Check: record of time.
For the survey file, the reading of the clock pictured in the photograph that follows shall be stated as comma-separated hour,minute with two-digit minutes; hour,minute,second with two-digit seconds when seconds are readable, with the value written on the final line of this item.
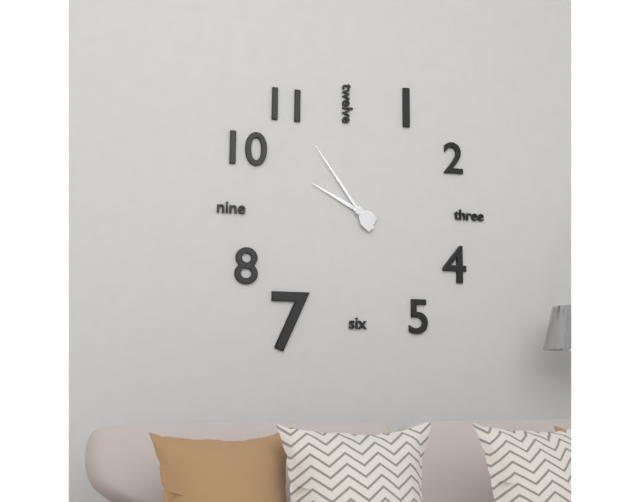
9,54
